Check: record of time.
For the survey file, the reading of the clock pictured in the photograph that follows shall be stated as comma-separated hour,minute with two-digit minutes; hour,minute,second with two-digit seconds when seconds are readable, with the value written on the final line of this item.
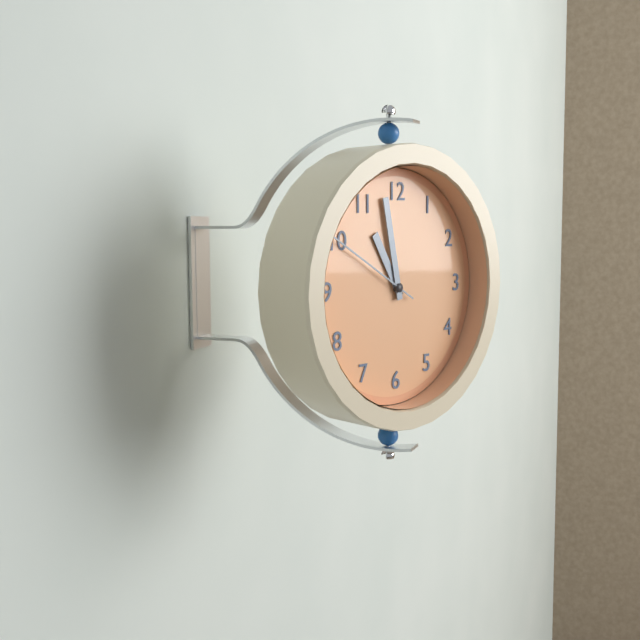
10,58,50
